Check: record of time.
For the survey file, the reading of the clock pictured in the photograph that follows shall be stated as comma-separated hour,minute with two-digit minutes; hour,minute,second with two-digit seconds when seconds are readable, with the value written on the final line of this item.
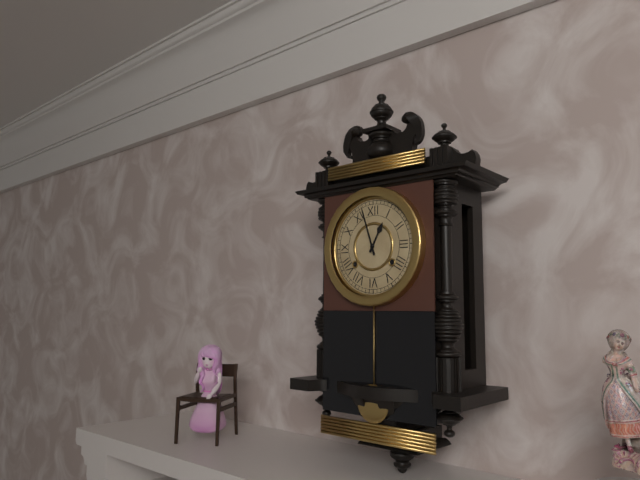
12,57
